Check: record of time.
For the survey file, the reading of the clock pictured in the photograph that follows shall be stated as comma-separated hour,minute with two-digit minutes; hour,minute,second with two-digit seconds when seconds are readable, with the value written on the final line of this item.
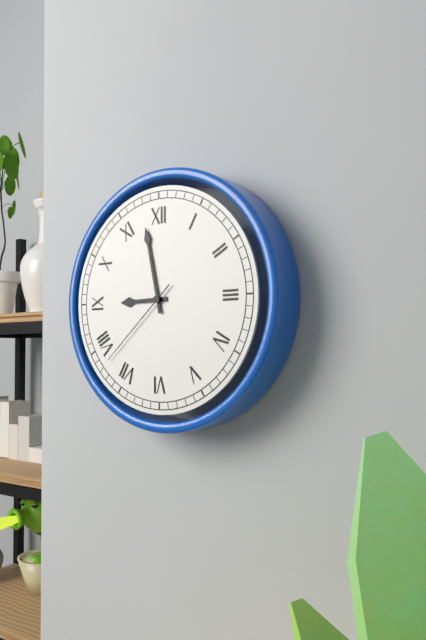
8,58,38
